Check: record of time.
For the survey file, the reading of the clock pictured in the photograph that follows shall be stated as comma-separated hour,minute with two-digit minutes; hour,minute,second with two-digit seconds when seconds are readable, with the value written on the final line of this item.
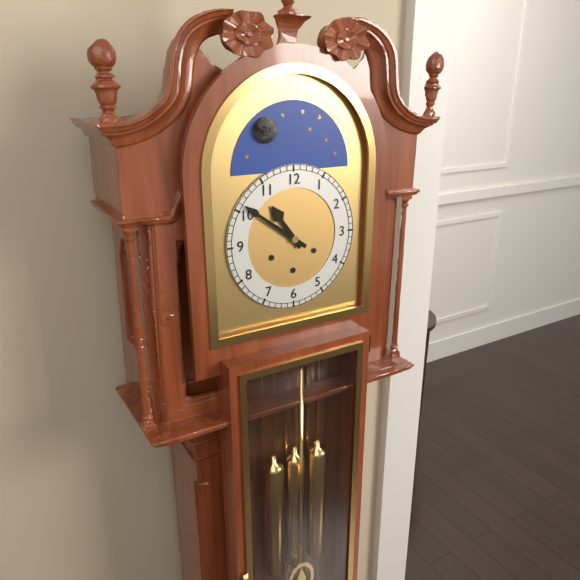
10,51
